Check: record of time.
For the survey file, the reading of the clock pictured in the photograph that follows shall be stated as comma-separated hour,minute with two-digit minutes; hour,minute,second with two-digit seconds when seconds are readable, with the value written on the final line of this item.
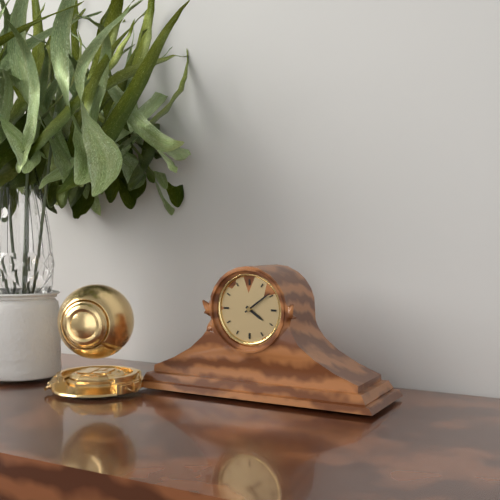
4,09
